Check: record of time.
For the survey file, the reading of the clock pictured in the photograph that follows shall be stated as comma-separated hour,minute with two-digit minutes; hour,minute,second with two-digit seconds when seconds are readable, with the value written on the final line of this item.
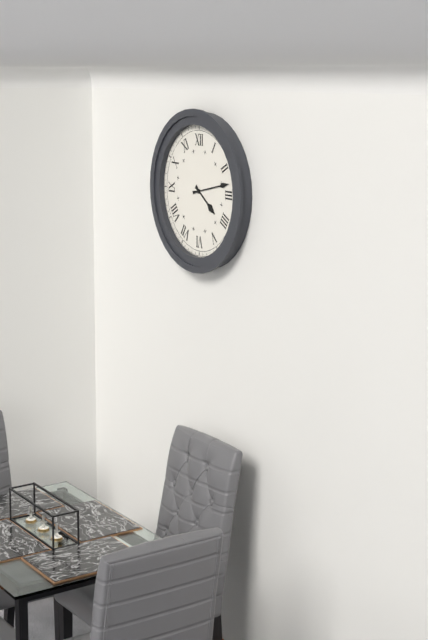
4,13
